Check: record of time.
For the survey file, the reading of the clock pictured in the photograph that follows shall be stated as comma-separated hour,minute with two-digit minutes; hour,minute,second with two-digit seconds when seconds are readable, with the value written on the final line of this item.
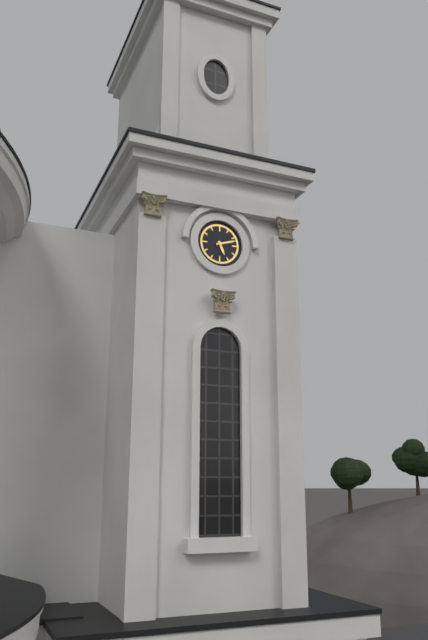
5,12
